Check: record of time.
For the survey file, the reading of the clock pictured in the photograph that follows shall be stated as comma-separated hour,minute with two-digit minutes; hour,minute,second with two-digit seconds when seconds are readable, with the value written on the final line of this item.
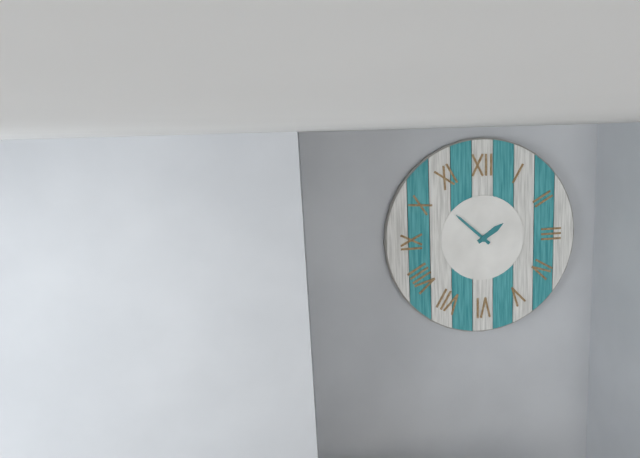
1,52
